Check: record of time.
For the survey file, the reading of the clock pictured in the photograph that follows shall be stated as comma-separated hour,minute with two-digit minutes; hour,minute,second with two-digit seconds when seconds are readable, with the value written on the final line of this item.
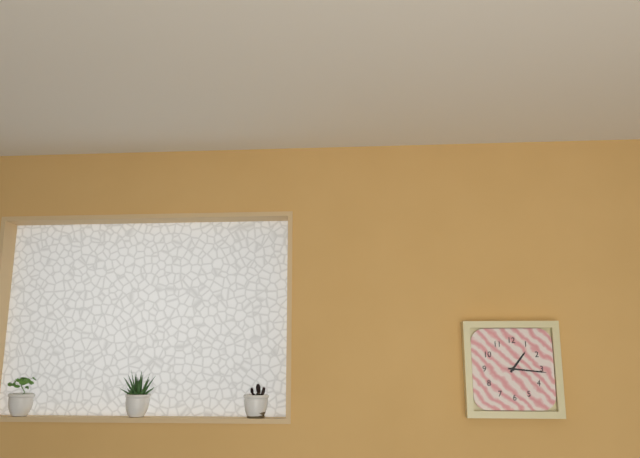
1,16
